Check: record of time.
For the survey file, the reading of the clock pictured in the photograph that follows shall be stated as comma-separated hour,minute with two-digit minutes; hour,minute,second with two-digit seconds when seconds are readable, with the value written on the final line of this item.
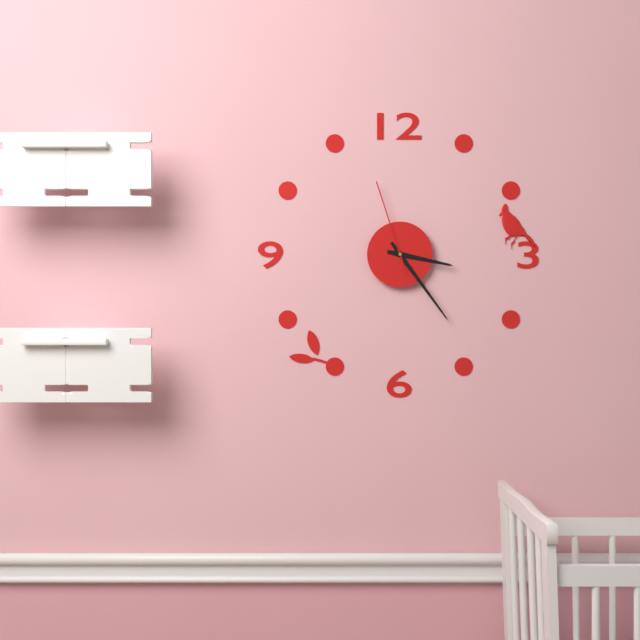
3,24,57
